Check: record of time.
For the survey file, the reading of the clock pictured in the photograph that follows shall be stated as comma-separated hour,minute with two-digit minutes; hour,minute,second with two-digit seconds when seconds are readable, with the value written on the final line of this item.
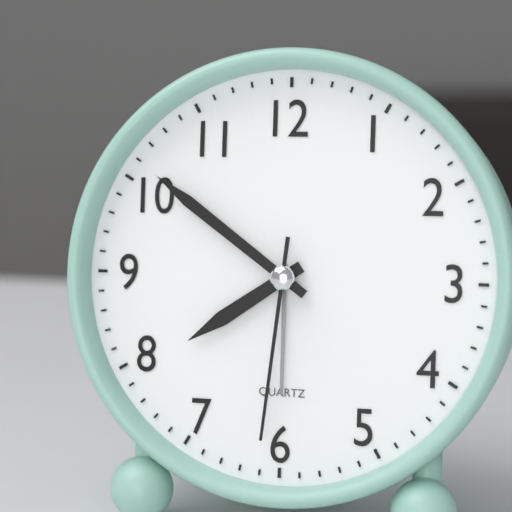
7,51,31
